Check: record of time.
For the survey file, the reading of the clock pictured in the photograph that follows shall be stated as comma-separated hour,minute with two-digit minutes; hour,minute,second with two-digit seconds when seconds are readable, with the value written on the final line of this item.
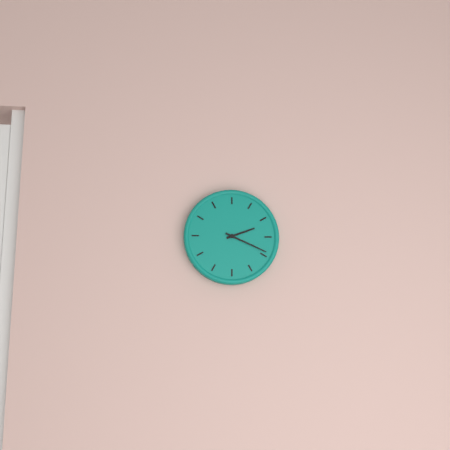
2,19
